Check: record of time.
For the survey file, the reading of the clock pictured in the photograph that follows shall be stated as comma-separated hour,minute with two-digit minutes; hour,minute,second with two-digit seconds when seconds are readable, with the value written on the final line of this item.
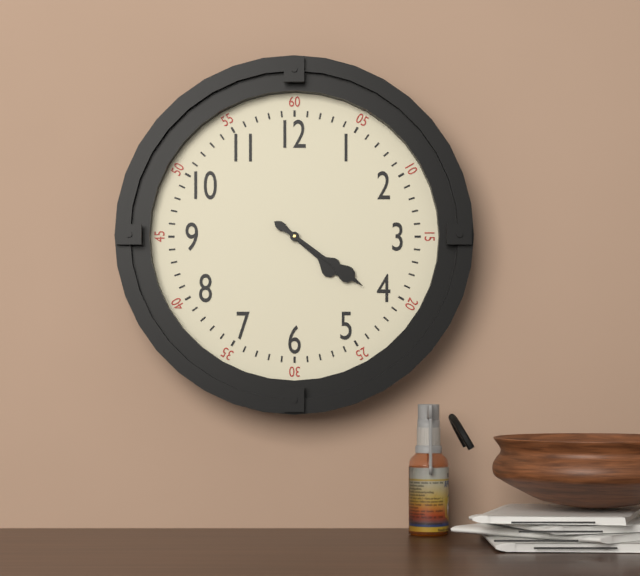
4,21
